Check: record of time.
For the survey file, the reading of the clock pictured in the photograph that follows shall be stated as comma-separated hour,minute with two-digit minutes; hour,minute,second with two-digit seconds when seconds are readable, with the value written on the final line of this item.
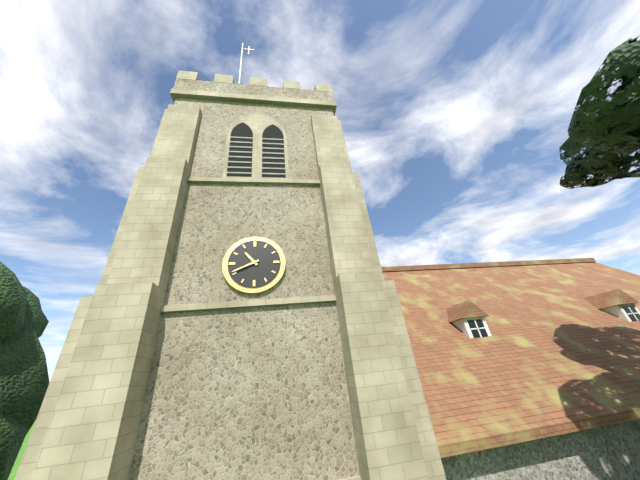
10,41
